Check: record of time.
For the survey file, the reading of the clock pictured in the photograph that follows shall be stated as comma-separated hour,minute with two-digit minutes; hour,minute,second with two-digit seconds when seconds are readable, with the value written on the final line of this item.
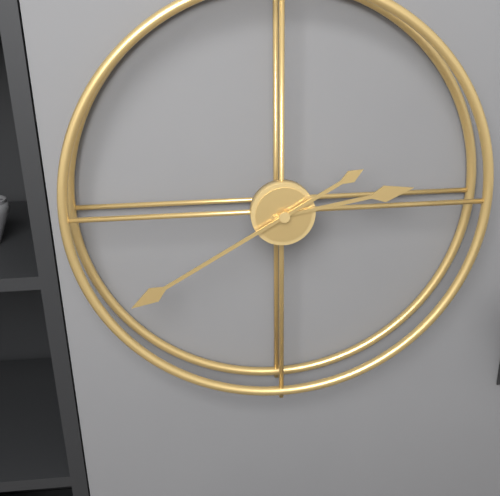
2,40
